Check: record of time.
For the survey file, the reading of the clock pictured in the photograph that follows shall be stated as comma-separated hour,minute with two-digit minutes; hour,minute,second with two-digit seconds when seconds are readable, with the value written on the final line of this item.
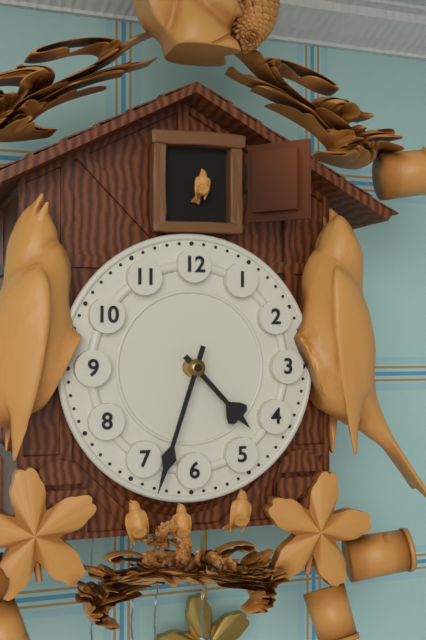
4,33
